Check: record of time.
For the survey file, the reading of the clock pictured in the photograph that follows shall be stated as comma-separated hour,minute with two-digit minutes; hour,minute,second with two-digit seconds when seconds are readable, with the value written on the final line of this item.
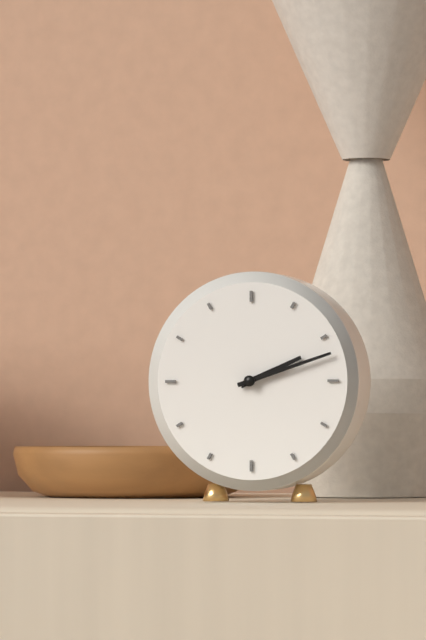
2,12
